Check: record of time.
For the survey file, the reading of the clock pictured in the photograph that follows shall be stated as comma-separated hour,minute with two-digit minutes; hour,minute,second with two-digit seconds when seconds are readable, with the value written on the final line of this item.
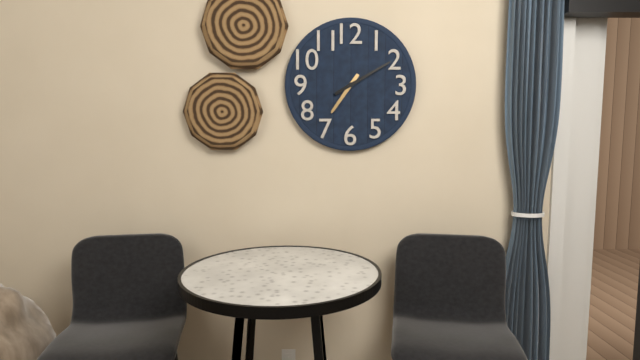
7,10
